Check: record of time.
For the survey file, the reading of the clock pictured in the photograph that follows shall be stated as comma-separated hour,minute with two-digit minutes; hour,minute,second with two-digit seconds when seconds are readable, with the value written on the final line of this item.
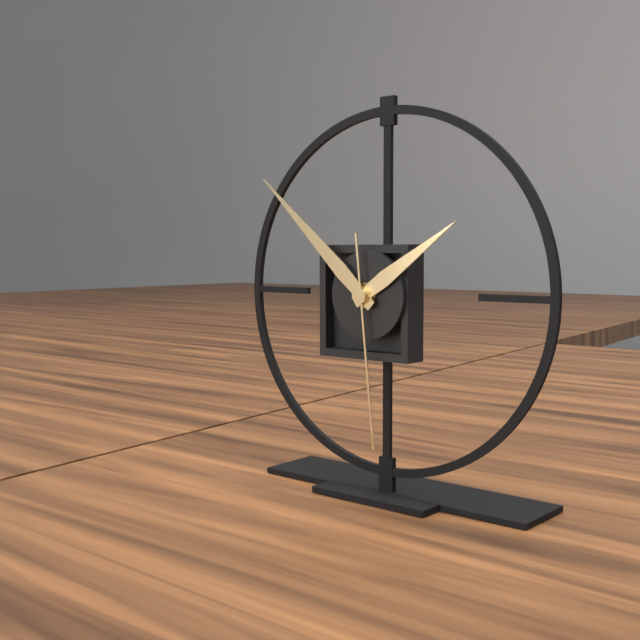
1,52,29
